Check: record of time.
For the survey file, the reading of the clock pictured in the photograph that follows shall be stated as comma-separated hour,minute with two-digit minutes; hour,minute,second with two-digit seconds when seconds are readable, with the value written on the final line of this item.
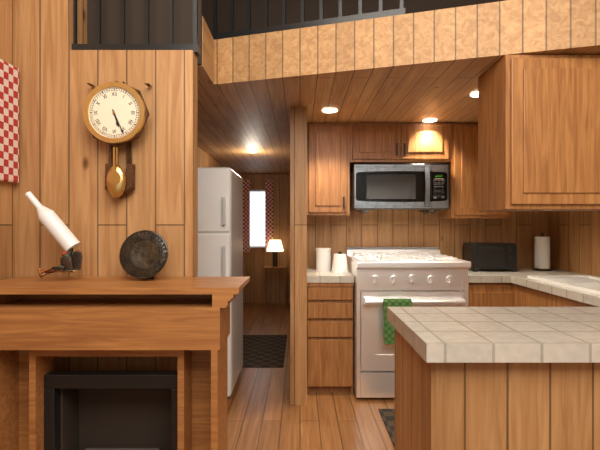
5,26
